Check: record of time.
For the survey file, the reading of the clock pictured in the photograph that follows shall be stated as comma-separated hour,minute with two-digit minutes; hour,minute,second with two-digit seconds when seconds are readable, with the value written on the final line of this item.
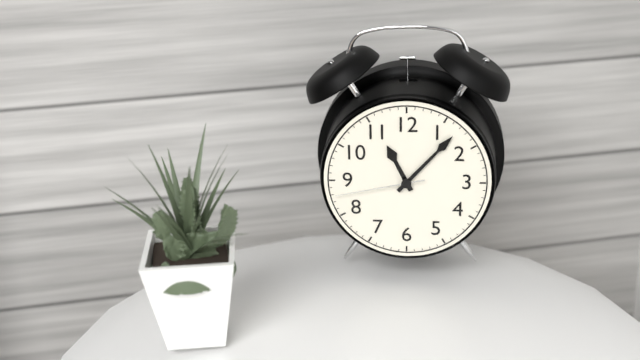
11,07,43
